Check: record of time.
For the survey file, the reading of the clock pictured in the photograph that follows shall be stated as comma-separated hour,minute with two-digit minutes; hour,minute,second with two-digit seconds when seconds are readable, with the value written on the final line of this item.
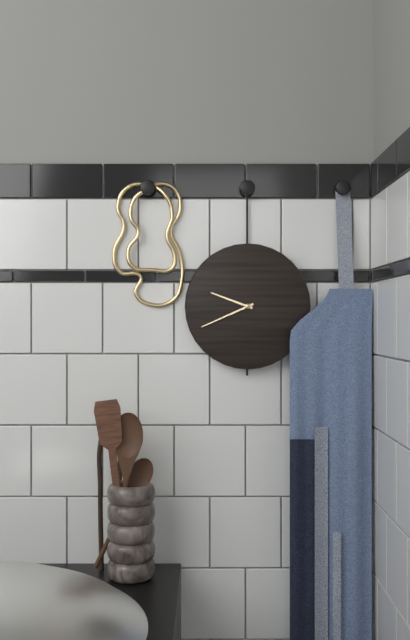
9,41
